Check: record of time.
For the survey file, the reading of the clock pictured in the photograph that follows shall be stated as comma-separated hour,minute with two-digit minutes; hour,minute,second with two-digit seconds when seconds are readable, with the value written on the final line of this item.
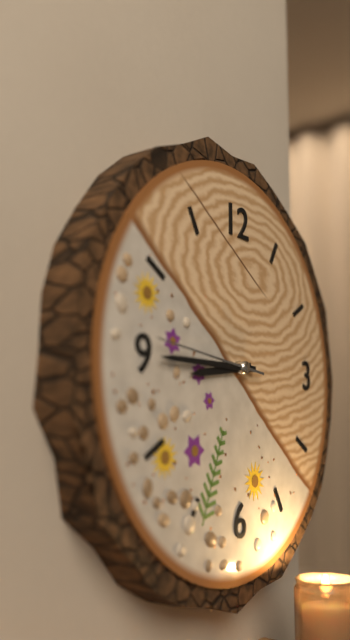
8,45,46
